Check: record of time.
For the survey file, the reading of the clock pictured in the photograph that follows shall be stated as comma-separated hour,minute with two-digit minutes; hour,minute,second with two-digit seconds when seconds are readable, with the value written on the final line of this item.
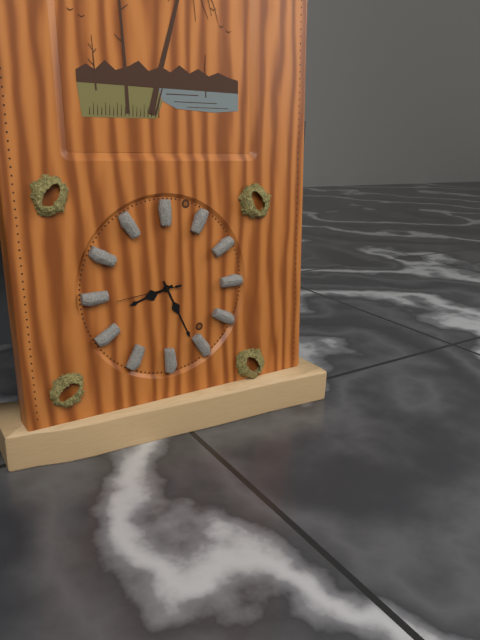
8,26,44
